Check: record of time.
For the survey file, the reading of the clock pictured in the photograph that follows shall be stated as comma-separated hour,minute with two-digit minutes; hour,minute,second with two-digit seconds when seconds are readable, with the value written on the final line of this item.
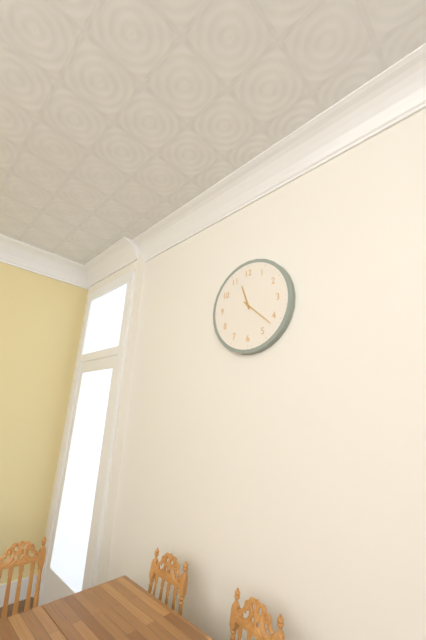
11,22
